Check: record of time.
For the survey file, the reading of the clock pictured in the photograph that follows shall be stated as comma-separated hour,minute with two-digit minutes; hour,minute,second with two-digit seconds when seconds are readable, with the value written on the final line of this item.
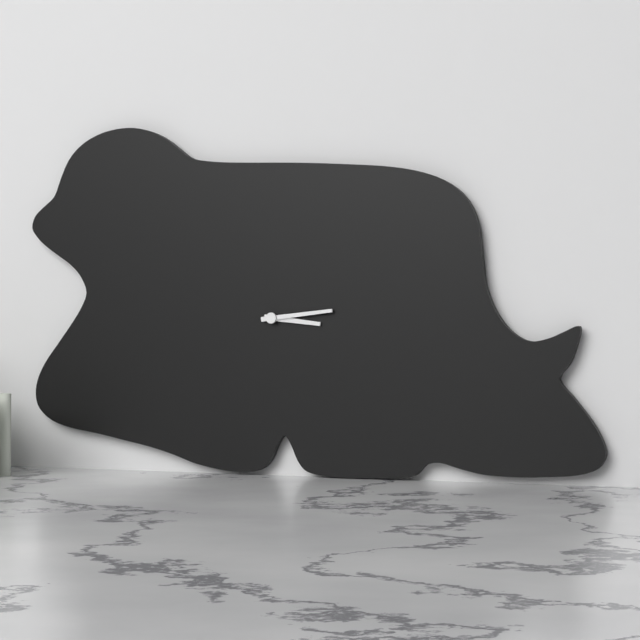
3,14
